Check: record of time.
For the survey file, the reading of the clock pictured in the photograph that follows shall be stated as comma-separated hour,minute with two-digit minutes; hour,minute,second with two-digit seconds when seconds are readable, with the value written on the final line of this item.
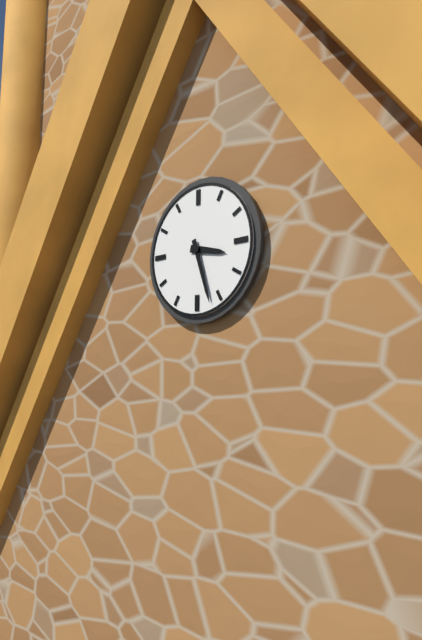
3,27
